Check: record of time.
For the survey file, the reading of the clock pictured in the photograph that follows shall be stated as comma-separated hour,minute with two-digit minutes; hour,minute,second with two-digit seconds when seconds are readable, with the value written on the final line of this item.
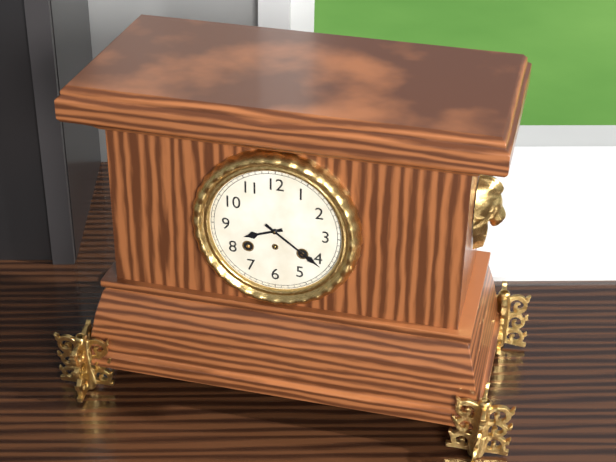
8,21
